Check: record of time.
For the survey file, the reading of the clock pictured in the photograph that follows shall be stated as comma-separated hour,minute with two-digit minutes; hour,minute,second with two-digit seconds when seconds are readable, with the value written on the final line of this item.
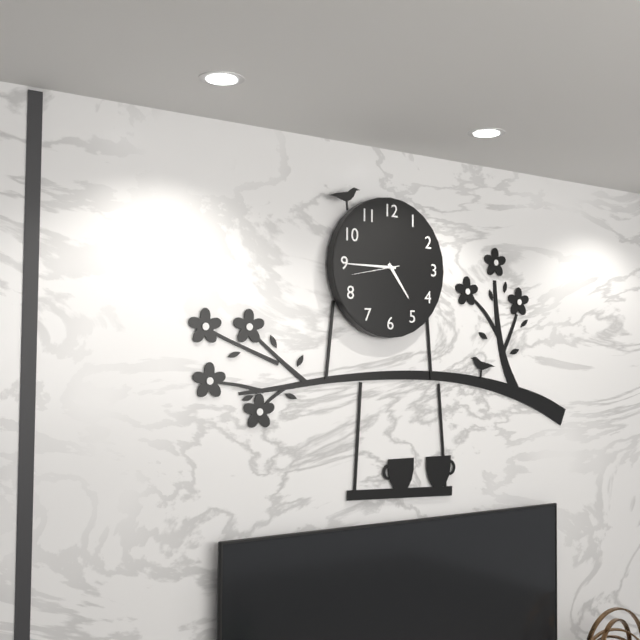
4,45,43
